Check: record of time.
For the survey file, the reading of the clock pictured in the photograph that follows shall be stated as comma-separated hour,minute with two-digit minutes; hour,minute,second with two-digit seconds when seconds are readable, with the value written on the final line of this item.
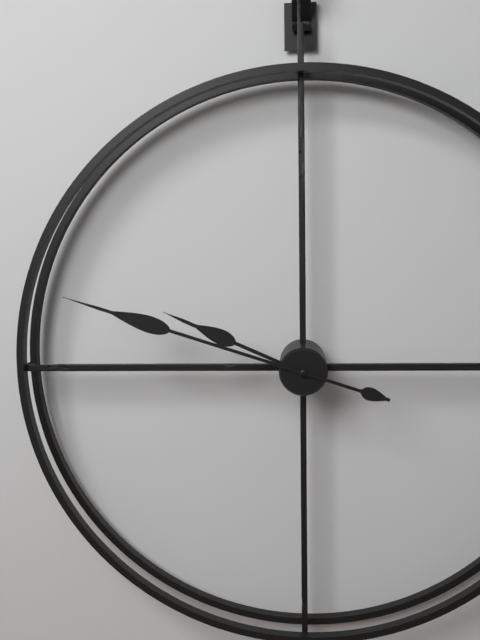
9,48
